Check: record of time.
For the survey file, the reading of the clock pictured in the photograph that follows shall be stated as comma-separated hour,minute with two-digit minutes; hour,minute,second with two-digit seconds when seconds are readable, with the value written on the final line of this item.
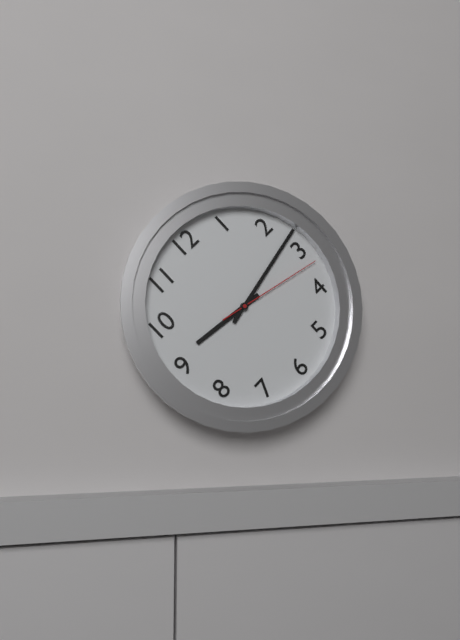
9,13,17
